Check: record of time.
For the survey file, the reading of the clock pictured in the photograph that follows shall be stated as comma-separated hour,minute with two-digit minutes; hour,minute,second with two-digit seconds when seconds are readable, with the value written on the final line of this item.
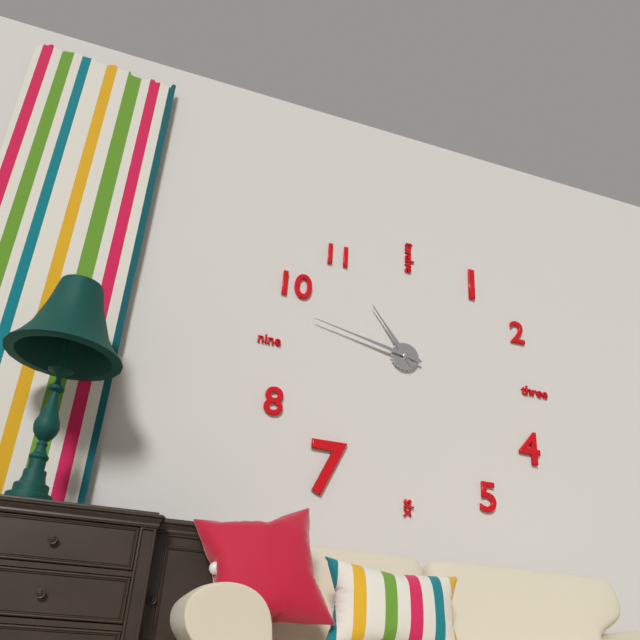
10,47
